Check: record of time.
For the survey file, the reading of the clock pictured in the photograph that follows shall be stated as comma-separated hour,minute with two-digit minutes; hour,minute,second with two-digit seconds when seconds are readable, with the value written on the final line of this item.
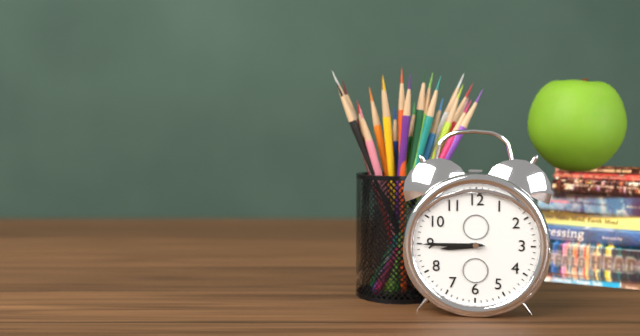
8,45
